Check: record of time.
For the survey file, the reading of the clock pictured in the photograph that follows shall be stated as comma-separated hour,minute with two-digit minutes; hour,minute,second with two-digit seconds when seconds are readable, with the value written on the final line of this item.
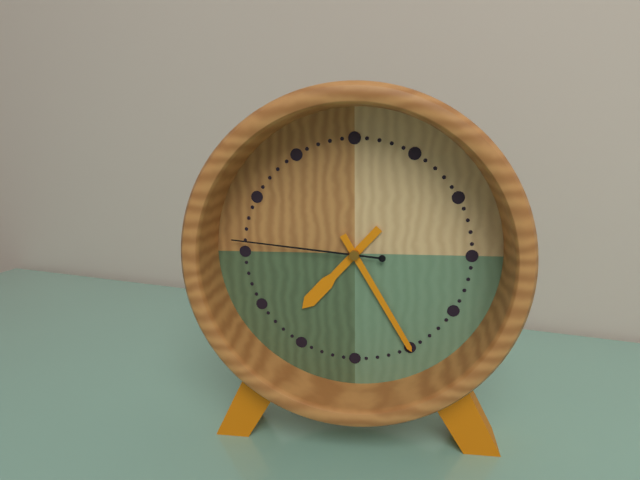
7,25,46
